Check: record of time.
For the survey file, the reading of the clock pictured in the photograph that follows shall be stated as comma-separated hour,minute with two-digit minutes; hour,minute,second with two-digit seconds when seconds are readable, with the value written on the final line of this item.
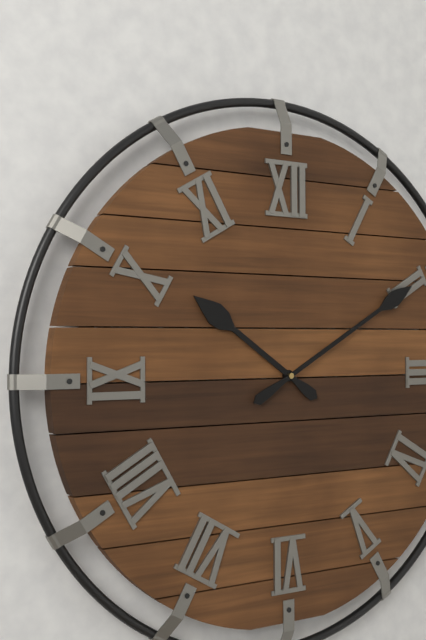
10,10
